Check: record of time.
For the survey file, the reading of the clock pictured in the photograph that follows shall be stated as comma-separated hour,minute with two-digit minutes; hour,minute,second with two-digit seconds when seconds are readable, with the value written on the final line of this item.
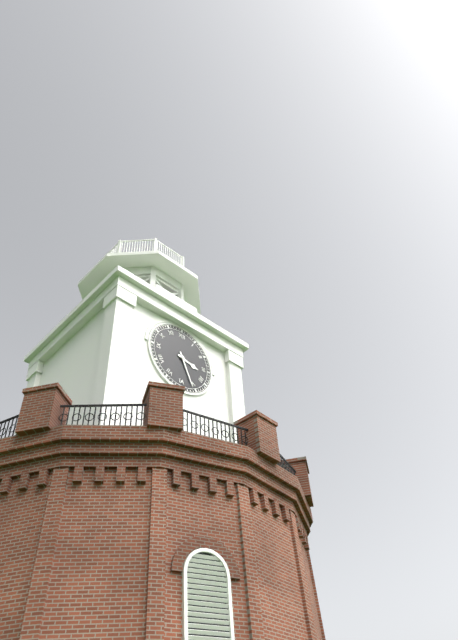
3,26
